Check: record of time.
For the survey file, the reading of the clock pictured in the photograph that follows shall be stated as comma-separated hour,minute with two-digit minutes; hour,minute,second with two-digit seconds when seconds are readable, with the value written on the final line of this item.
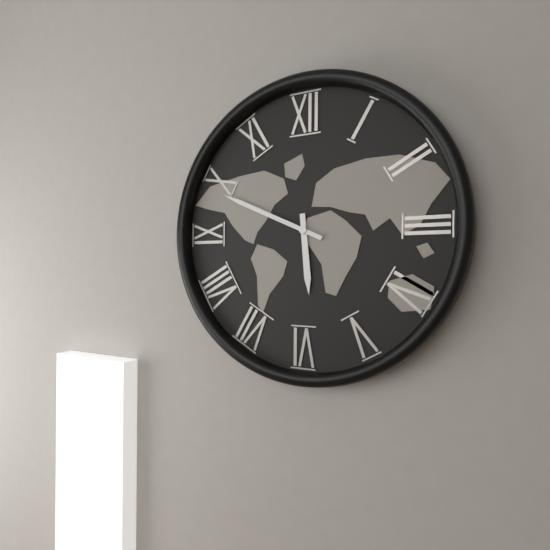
5,49
